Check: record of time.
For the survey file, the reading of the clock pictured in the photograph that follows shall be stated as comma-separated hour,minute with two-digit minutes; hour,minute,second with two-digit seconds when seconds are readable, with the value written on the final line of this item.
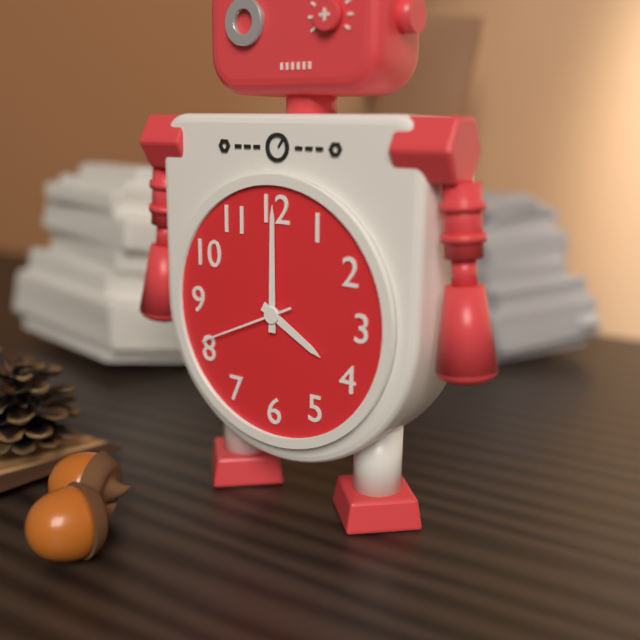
4,00,41
